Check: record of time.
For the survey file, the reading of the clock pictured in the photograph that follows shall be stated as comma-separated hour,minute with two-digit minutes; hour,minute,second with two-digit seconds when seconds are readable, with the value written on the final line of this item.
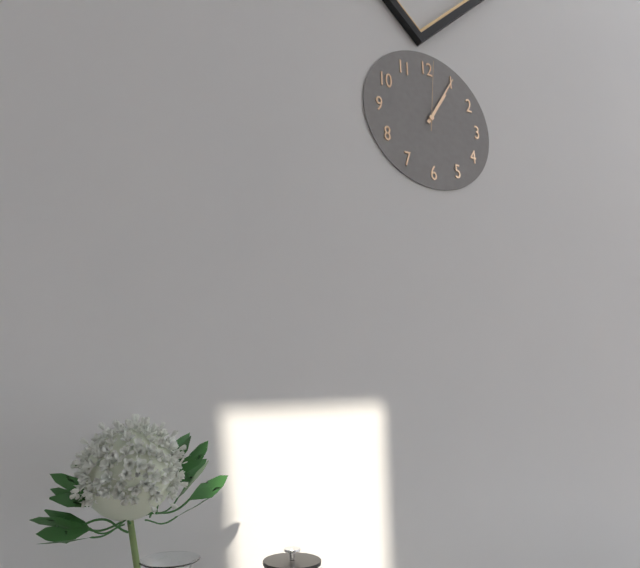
1,05,01
